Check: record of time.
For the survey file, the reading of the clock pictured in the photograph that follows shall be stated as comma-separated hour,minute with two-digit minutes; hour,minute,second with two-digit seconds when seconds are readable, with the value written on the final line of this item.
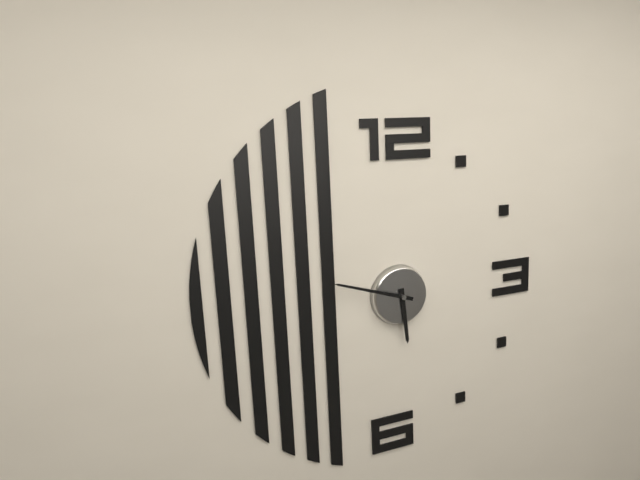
5,48
